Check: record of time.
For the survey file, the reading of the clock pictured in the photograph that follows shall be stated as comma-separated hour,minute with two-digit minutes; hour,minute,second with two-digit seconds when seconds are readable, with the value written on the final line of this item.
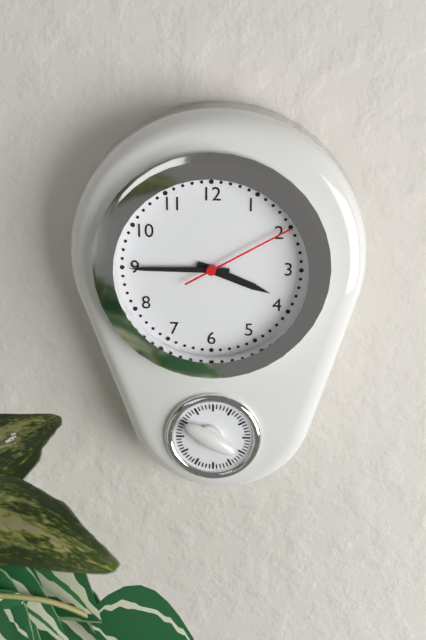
3,45,10
